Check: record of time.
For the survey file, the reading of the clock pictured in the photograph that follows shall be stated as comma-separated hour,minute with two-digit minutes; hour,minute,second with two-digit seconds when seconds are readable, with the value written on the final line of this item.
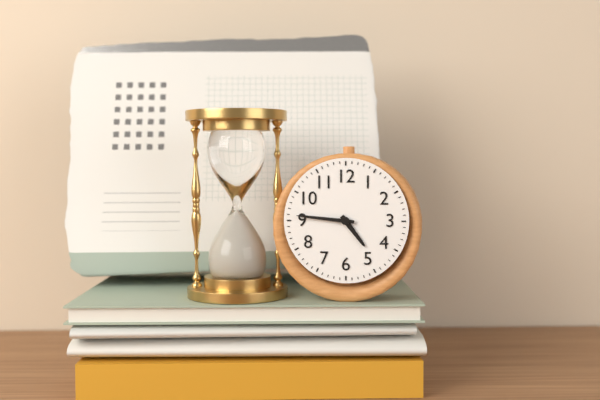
4,46
